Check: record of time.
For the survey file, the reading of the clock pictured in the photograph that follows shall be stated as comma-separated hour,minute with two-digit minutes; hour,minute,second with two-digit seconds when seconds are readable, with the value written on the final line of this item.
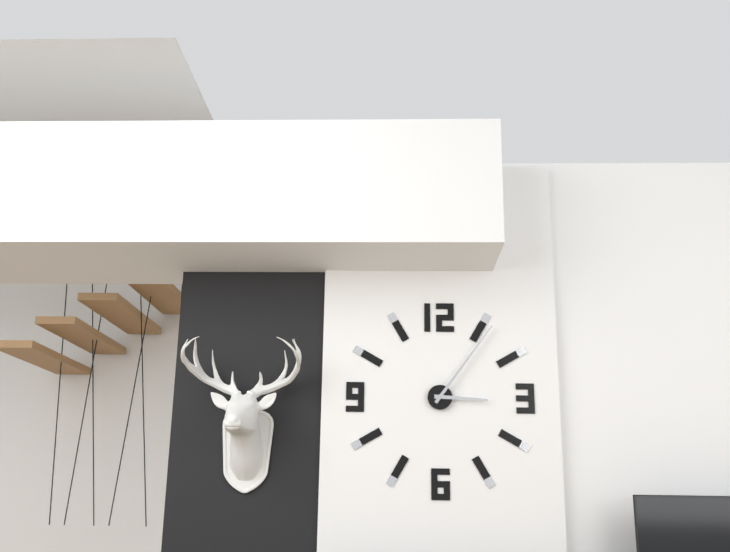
3,06
